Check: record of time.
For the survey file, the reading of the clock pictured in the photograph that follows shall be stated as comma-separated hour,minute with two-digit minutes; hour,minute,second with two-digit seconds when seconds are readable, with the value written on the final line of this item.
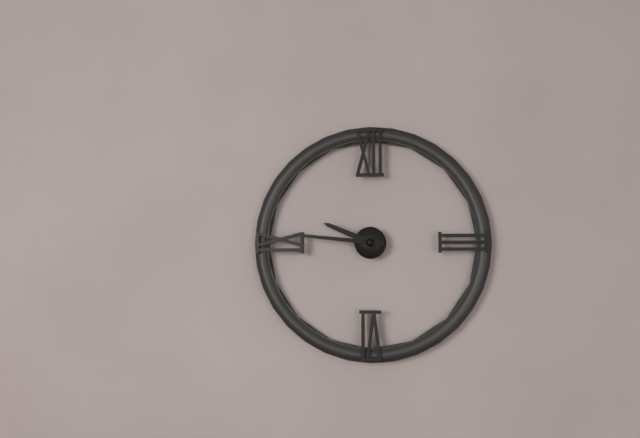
9,46
